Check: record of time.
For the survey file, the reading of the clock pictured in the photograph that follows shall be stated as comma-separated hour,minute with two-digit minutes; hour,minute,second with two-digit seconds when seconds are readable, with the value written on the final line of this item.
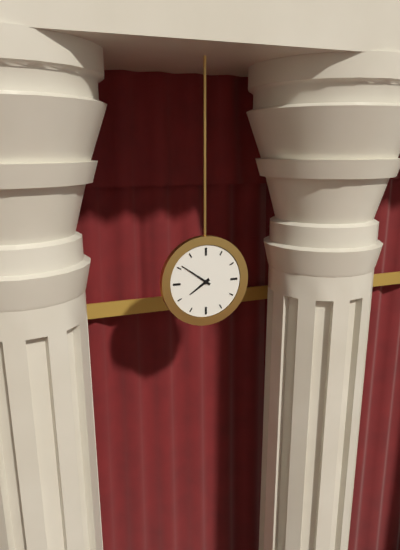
7,51
